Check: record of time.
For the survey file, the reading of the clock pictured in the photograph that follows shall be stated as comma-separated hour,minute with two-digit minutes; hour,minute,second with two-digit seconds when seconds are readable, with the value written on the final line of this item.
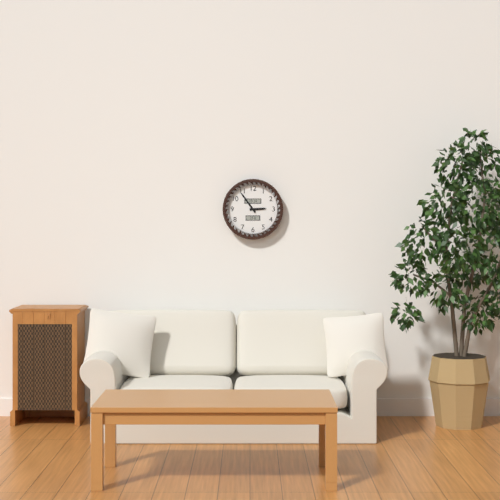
2,54
